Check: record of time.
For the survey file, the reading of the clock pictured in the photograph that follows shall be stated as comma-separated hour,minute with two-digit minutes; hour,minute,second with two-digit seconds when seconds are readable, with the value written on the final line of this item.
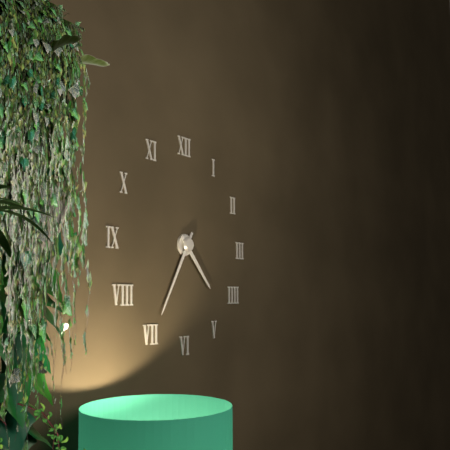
4,35
